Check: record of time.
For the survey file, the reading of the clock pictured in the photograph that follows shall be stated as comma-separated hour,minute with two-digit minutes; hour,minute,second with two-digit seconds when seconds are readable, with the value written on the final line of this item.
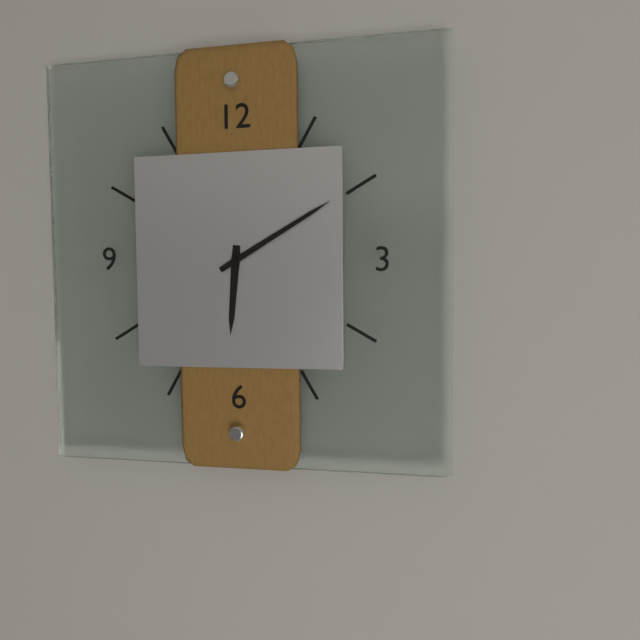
6,10
